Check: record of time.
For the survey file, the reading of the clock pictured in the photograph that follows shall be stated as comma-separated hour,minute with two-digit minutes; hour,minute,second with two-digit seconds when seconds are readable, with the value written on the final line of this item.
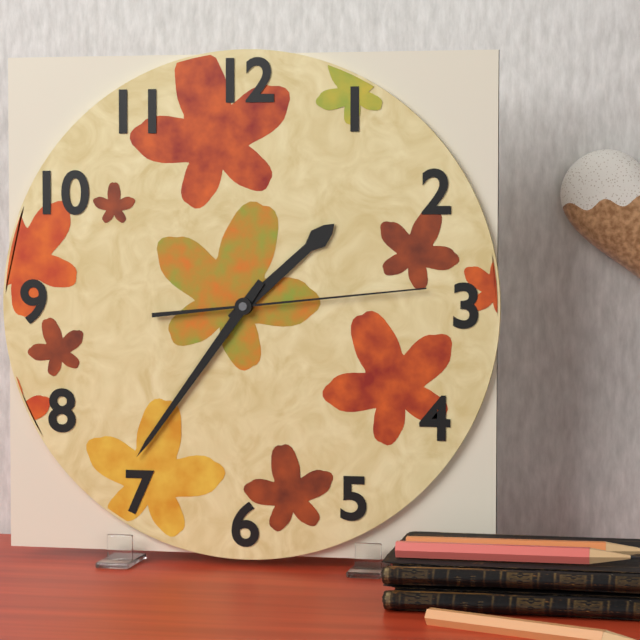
1,36,14
